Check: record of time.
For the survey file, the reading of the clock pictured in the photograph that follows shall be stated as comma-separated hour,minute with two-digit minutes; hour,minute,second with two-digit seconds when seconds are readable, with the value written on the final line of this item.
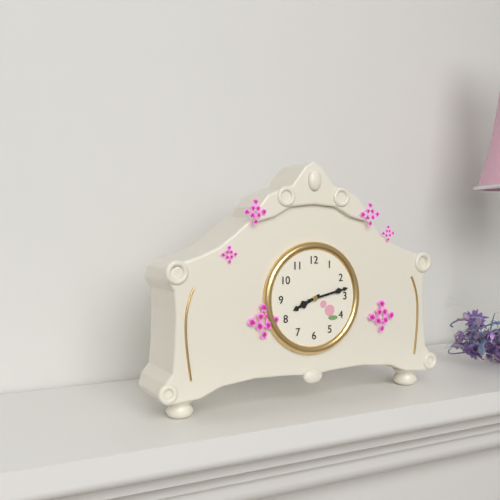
8,13
